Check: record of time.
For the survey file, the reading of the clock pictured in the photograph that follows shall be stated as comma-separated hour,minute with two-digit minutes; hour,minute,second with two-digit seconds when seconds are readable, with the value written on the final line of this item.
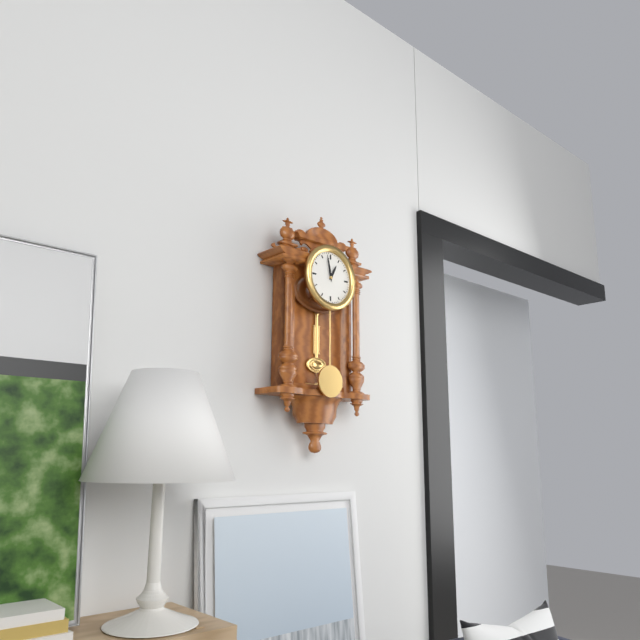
12,58
